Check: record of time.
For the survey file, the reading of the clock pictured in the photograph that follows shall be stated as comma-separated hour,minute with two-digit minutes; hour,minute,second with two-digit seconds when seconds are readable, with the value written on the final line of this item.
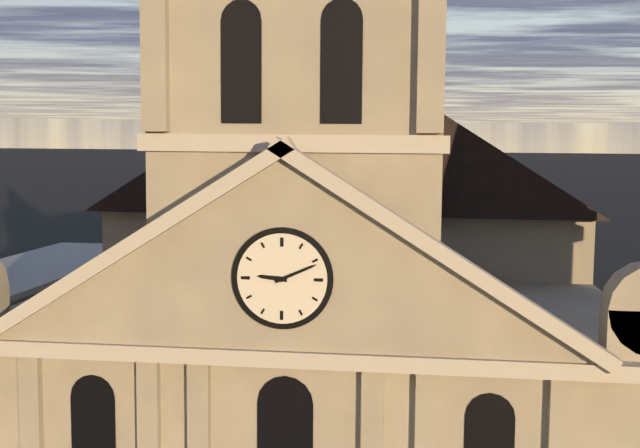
9,11
